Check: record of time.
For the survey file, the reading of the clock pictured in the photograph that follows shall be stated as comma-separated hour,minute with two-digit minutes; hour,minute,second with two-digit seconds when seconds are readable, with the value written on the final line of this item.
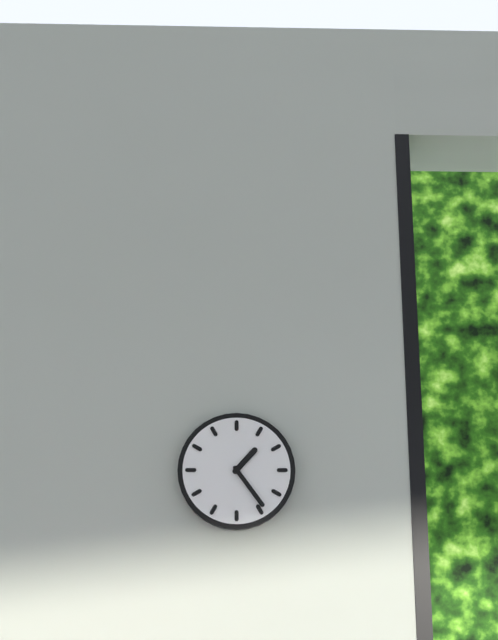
1,24
